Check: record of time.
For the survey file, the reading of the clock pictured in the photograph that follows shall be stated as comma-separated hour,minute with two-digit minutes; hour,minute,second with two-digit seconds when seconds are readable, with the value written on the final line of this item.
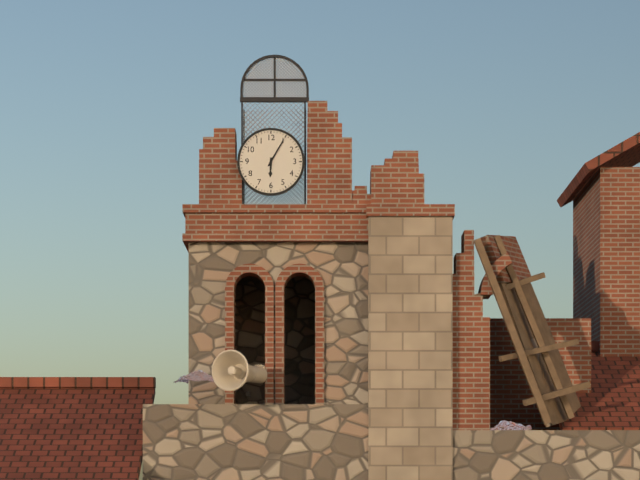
6,05
